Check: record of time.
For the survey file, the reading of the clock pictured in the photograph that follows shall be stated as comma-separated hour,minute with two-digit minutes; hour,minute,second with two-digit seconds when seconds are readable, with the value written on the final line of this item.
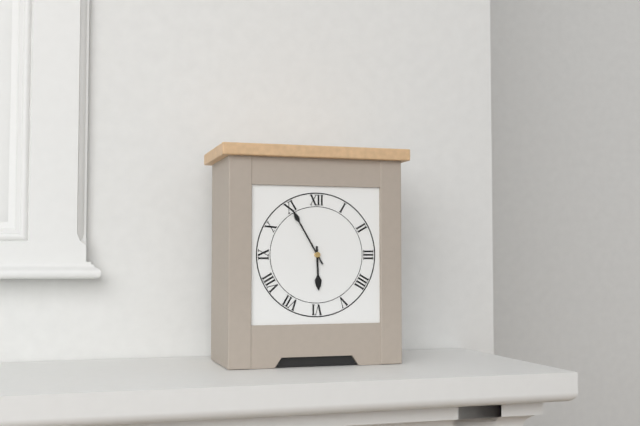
5,55
